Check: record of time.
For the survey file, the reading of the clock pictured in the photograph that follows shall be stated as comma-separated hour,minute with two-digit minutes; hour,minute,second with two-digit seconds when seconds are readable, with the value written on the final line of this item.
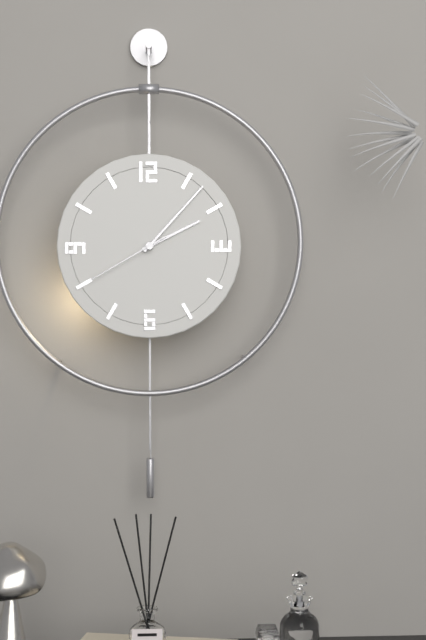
2,07,40
